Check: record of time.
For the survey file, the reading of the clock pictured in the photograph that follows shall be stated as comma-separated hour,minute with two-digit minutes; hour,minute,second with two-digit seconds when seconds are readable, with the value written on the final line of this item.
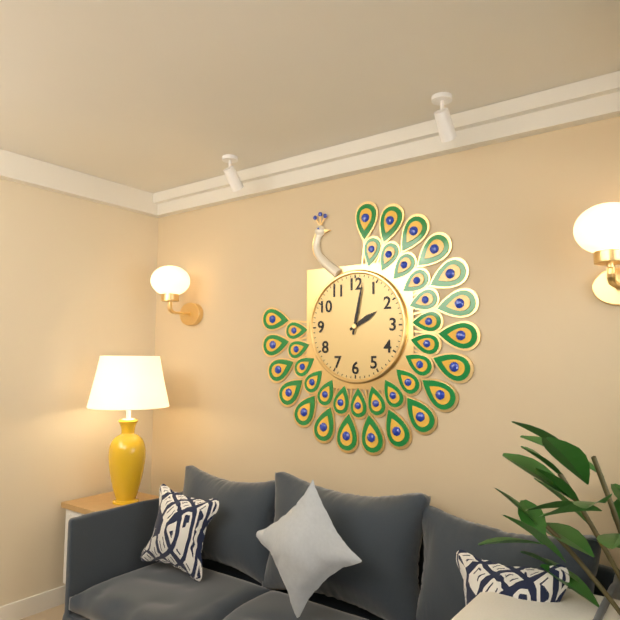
2,02
